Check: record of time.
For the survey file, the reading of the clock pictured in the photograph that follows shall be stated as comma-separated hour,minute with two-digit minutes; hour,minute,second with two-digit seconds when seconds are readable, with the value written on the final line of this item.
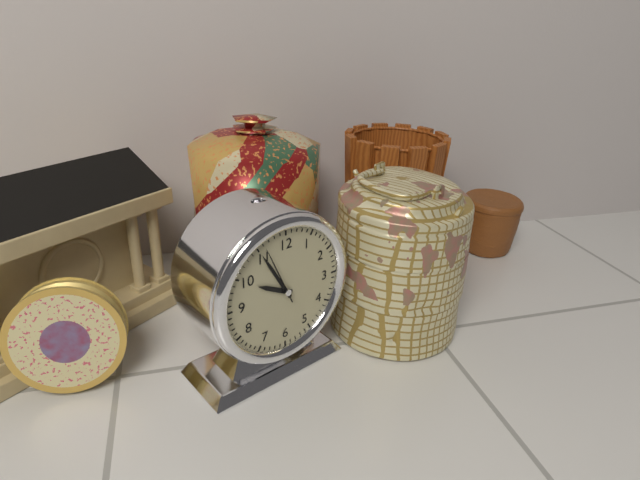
9,55,56
